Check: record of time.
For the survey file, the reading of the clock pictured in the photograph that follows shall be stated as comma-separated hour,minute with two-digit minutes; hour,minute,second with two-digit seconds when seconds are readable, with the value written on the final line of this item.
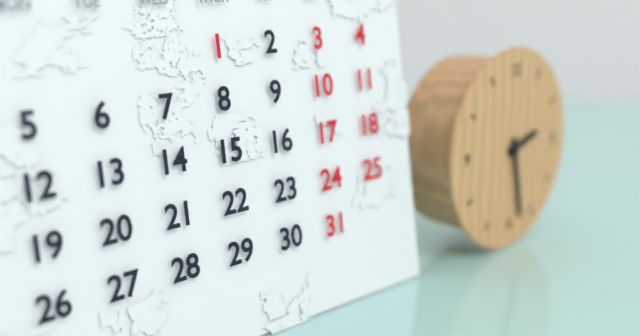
2,28
